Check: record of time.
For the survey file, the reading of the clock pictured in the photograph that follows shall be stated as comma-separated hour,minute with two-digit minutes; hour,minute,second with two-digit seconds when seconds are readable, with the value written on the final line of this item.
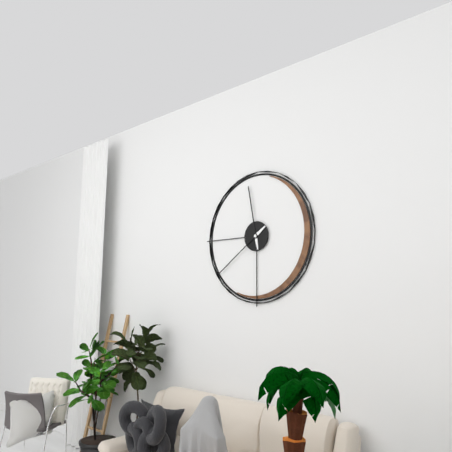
11,39
